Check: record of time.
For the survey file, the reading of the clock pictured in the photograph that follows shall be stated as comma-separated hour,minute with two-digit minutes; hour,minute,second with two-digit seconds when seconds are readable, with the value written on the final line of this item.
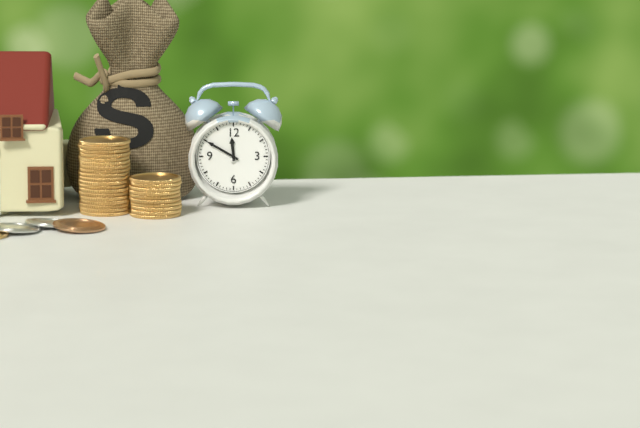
11,50
